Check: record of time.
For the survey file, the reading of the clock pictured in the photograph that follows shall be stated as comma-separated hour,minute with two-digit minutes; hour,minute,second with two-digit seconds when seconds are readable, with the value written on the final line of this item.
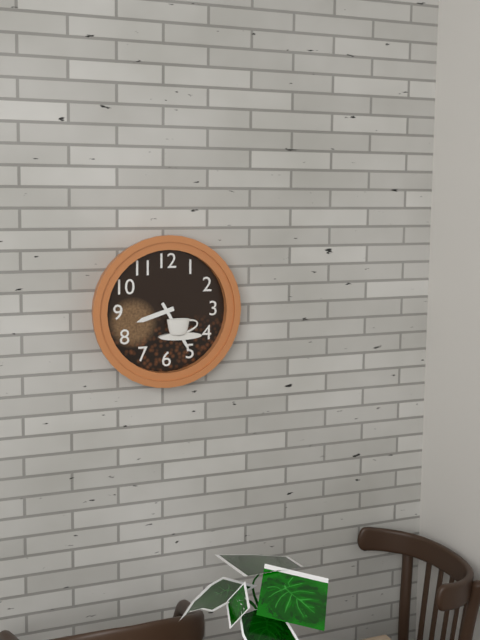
8,25
